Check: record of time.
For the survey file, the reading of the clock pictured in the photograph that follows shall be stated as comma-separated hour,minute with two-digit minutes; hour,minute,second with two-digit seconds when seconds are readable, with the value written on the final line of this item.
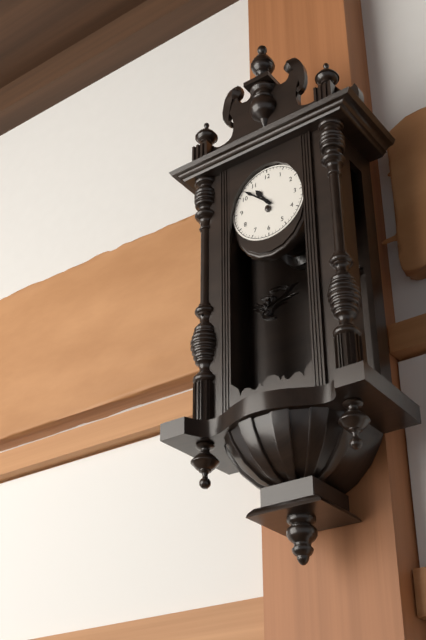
10,52
